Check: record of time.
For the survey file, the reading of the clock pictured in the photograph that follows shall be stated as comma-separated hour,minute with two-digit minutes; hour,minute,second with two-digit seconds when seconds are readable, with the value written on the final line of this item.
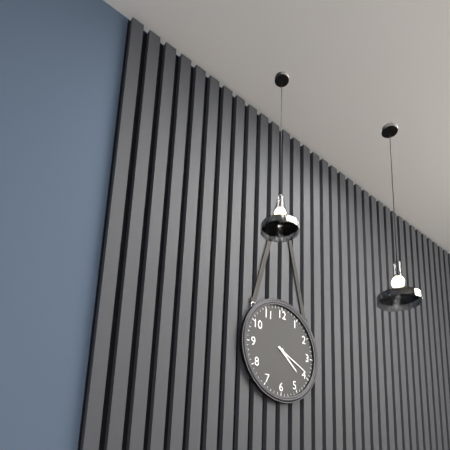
4,19
